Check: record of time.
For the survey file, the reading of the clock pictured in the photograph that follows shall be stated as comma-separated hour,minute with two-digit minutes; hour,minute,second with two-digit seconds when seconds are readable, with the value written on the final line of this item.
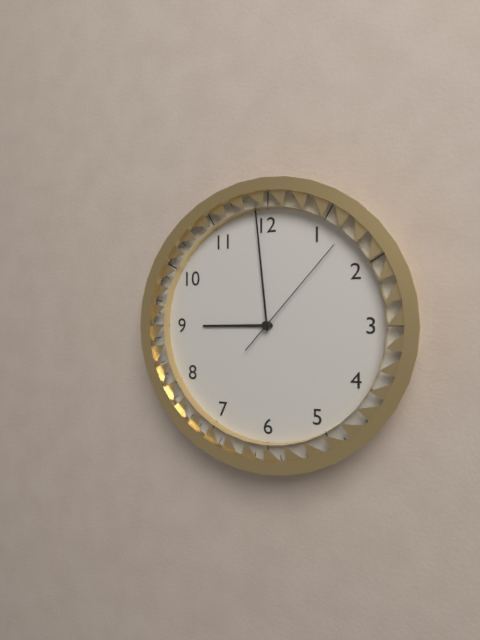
8,59,07
